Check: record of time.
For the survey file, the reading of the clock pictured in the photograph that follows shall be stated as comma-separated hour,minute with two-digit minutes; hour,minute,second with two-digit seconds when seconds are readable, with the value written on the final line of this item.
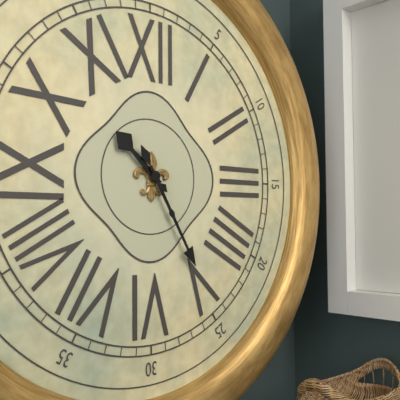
10,25
